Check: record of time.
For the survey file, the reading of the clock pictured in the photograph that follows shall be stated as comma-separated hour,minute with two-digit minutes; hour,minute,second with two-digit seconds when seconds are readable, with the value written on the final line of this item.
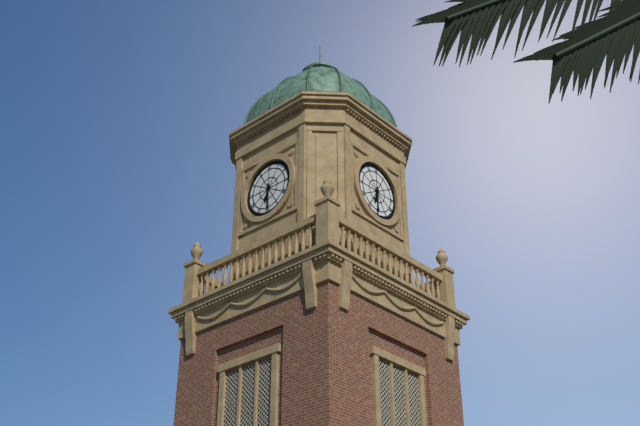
6,30
